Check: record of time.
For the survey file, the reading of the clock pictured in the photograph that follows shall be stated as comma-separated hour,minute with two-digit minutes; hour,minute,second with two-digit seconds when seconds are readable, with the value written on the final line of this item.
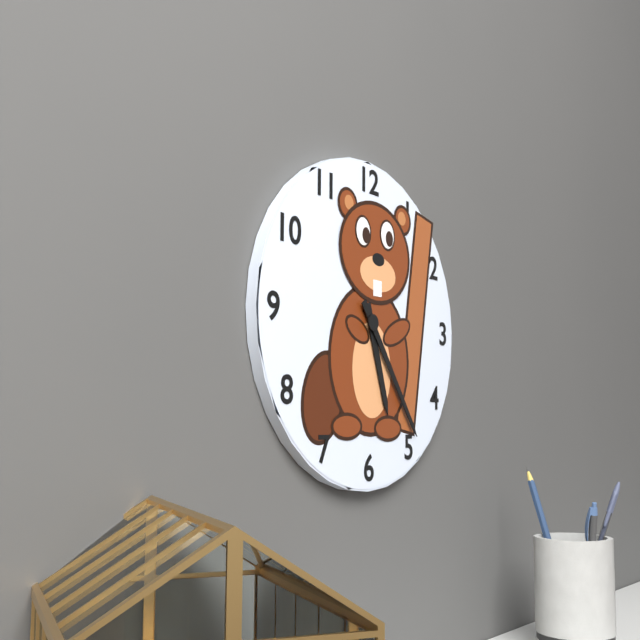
5,24
